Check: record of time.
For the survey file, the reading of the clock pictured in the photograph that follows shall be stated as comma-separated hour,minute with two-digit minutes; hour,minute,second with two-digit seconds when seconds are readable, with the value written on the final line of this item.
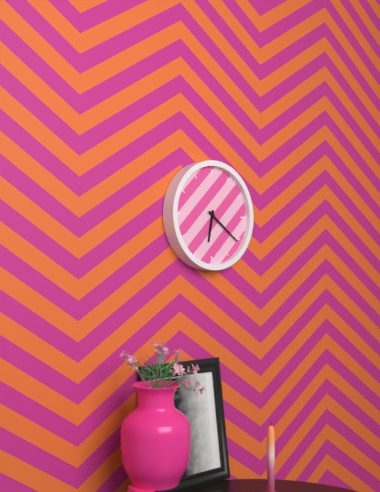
6,21
